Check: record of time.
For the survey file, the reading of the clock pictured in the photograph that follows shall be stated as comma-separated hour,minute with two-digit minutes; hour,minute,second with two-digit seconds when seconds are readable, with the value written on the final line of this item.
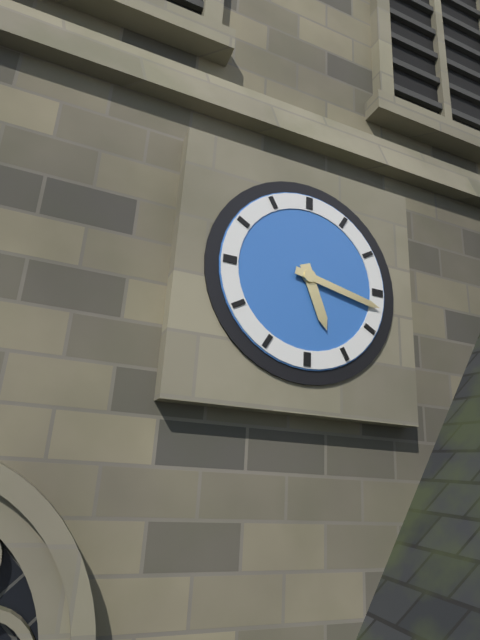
5,17
